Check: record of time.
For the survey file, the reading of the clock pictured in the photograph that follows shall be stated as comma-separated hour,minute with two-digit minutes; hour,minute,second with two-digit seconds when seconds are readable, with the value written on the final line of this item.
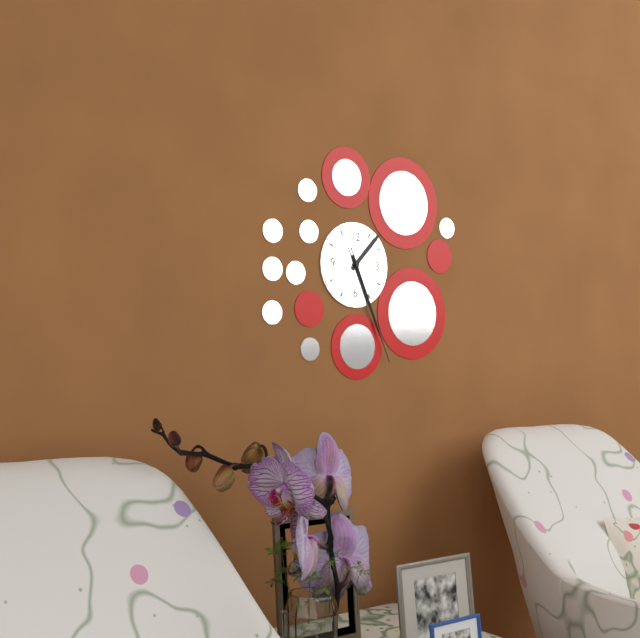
1,26,26
